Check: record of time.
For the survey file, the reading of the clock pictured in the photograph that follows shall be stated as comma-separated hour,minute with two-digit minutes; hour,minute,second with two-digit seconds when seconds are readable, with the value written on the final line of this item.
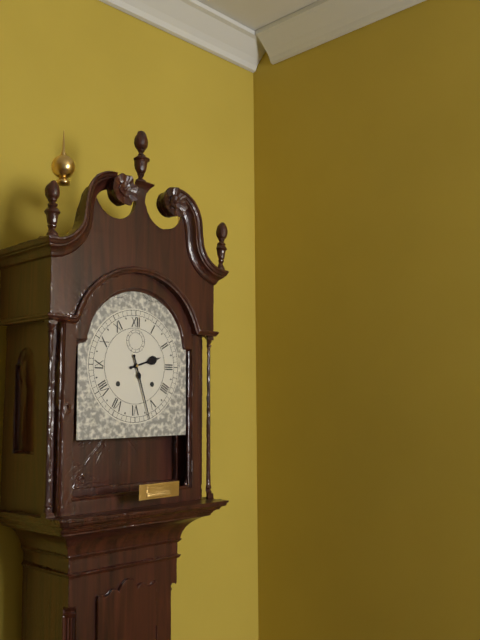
2,27
